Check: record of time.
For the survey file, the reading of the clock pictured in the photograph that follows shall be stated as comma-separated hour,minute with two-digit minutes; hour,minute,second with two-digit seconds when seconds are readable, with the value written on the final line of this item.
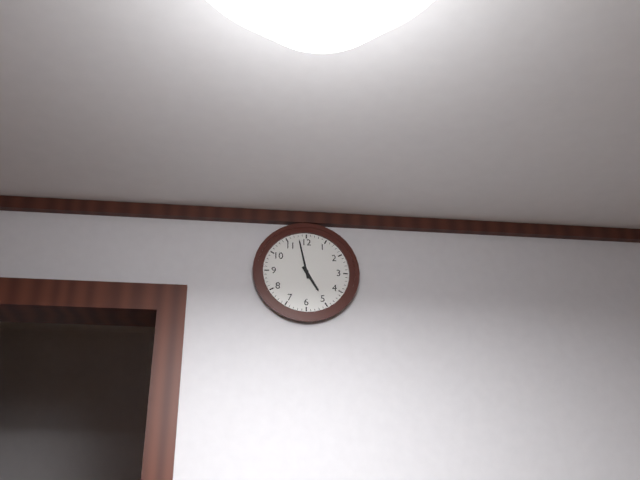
4,58
